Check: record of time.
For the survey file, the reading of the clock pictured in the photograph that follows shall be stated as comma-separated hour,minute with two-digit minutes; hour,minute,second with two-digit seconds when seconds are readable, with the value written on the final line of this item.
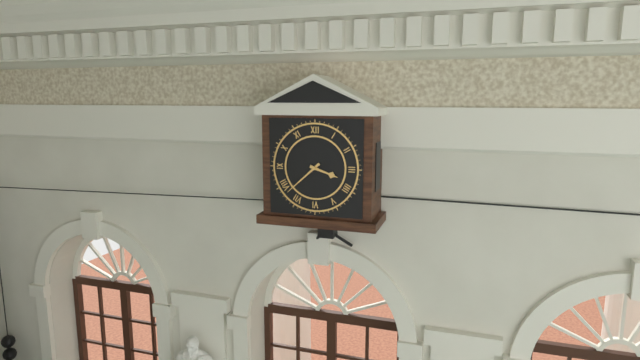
3,38
